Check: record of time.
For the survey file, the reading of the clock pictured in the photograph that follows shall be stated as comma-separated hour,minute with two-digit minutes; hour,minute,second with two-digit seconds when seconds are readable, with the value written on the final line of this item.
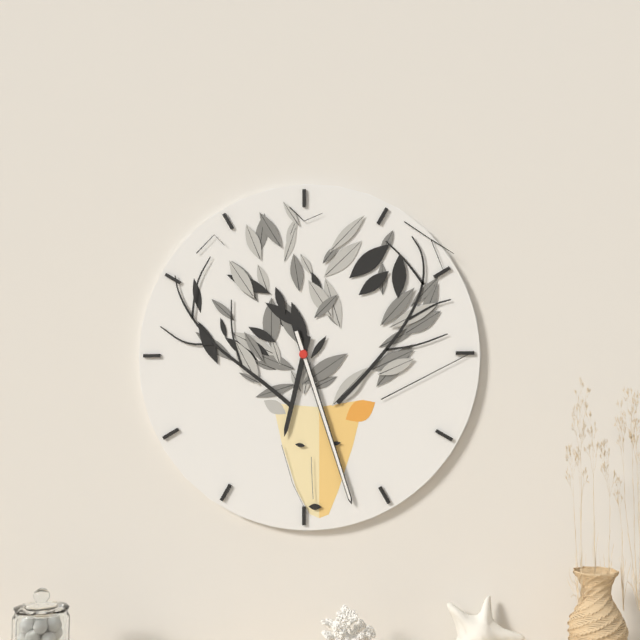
6,27
